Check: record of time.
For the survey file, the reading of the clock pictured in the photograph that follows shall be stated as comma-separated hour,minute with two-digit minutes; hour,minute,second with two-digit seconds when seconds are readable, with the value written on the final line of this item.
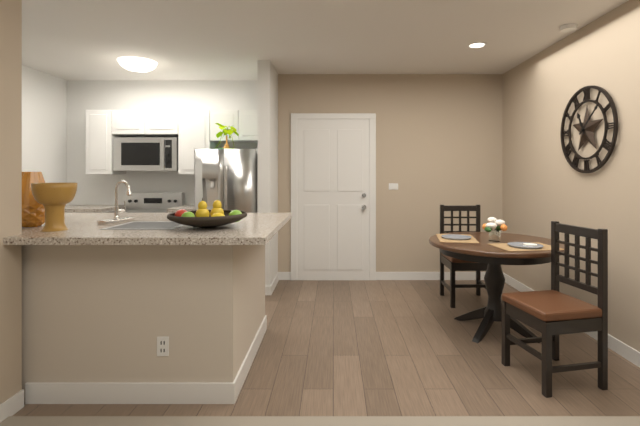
11,08
